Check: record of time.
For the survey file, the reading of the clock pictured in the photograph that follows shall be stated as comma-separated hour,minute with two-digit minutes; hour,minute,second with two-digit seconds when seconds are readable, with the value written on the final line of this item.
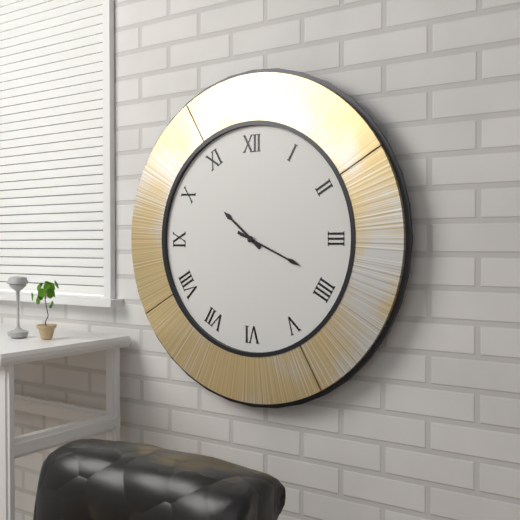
10,19
